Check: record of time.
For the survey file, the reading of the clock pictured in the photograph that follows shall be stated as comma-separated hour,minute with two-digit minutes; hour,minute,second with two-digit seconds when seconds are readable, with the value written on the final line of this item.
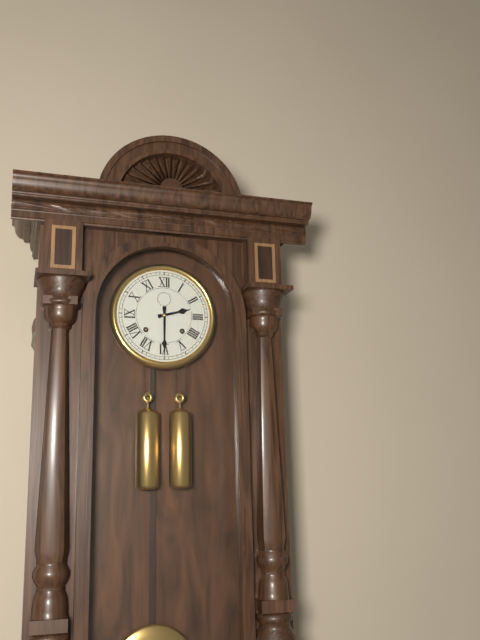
2,30
